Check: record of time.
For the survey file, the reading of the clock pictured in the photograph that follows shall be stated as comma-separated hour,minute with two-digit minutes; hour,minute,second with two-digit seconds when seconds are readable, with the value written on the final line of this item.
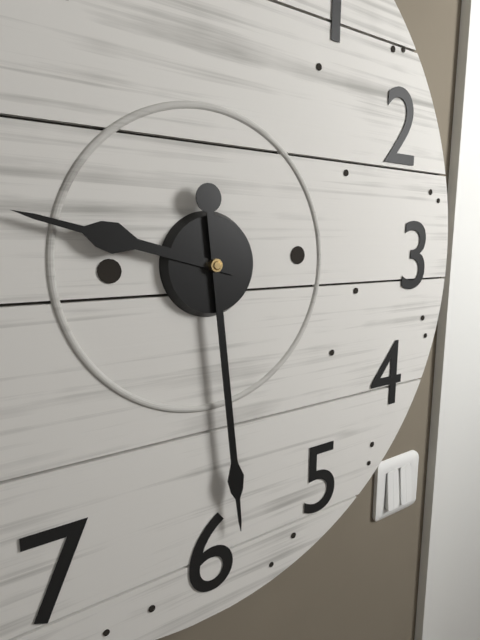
9,29
